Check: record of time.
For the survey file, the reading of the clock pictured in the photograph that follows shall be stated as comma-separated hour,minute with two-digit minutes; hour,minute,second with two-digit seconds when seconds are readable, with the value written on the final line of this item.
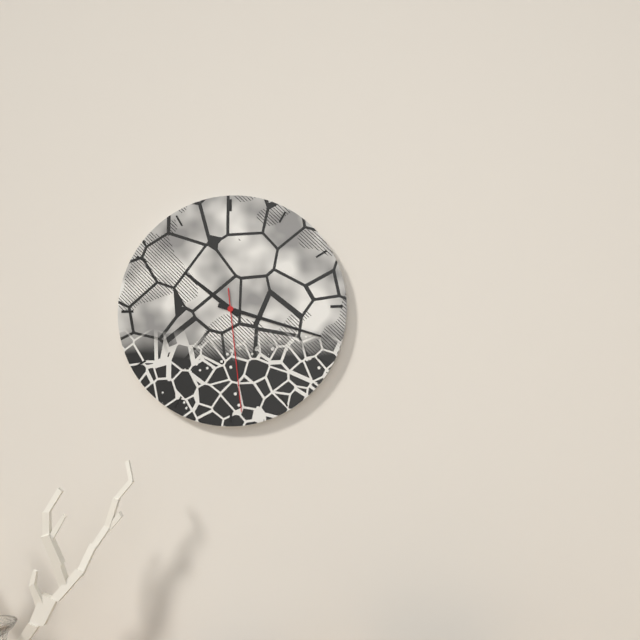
10,18,29
